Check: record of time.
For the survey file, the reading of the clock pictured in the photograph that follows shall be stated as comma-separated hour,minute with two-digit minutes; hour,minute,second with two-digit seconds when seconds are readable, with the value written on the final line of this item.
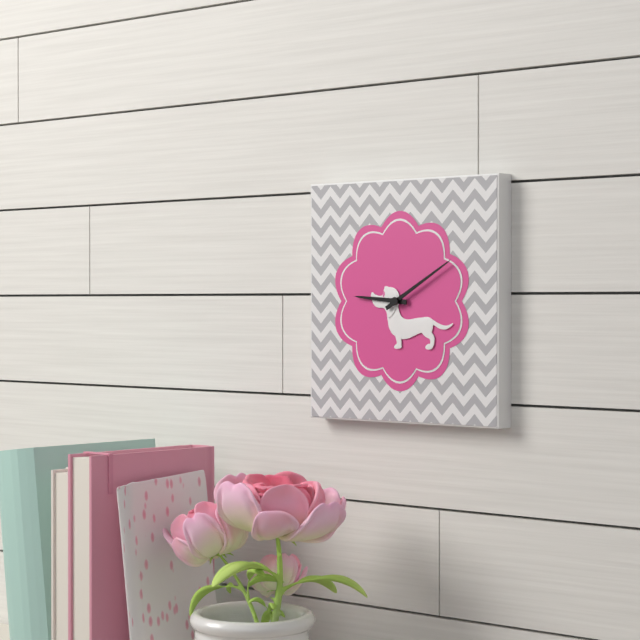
9,10
